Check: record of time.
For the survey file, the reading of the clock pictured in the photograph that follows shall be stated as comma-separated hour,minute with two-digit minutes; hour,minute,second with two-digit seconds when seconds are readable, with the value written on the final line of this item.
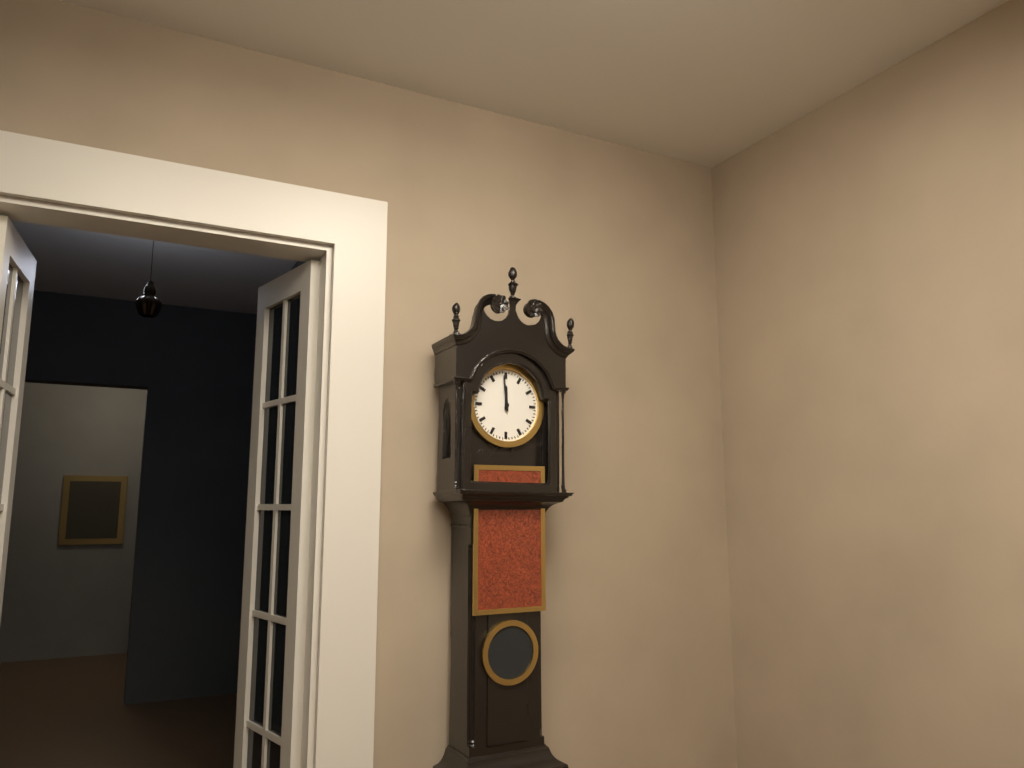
11,59
